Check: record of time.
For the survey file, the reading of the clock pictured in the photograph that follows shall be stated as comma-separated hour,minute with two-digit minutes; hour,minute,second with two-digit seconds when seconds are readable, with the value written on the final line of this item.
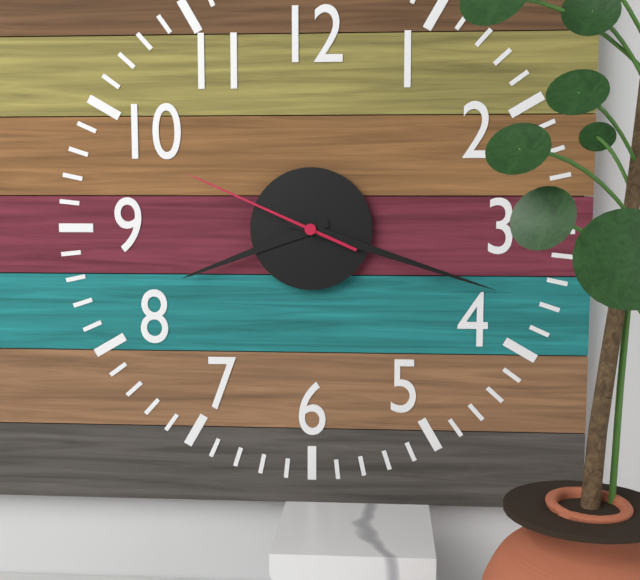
8,18,49
